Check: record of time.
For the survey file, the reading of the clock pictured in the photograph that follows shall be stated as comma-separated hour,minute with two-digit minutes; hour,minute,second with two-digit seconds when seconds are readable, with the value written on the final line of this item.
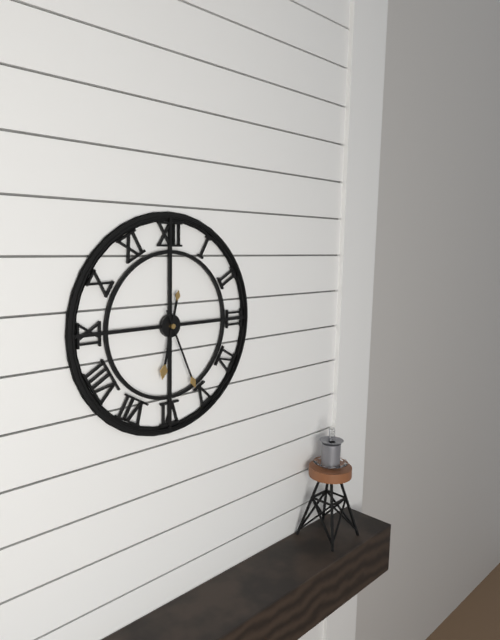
6,26
